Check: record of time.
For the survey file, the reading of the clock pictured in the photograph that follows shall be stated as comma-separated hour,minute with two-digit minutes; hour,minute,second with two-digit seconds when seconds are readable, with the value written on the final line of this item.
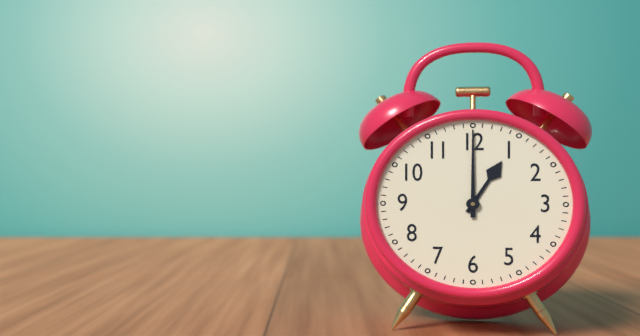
1,00
